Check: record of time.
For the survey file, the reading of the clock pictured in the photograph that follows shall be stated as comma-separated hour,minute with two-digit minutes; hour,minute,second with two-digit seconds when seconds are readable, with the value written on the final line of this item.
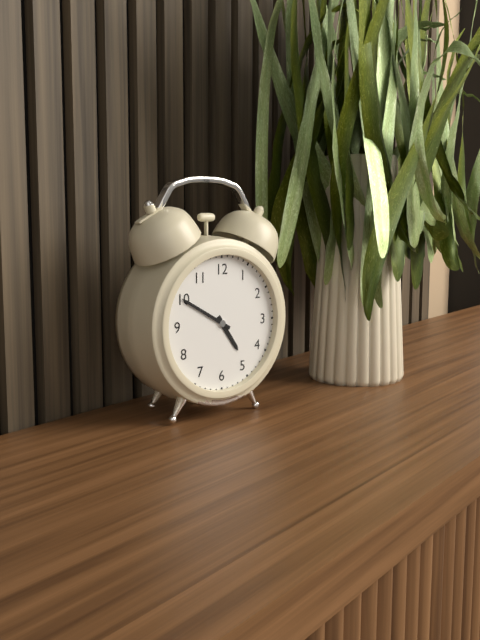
4,50
